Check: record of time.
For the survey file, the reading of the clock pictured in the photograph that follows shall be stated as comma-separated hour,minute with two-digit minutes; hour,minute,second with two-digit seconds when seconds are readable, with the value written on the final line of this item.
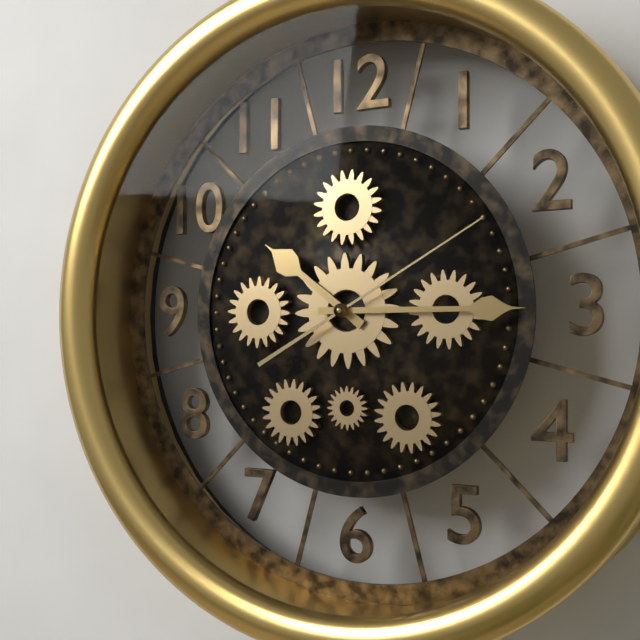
10,15,10
